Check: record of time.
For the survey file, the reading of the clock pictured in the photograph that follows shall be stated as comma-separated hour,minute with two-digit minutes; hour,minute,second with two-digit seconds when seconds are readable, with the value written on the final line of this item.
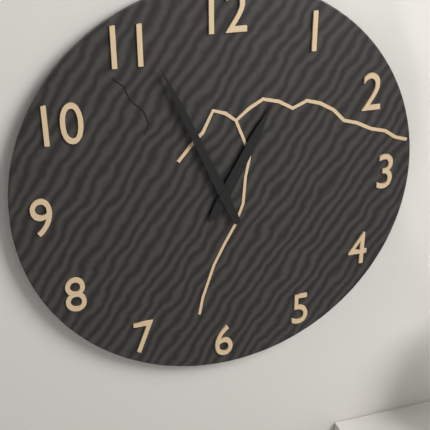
12,56
